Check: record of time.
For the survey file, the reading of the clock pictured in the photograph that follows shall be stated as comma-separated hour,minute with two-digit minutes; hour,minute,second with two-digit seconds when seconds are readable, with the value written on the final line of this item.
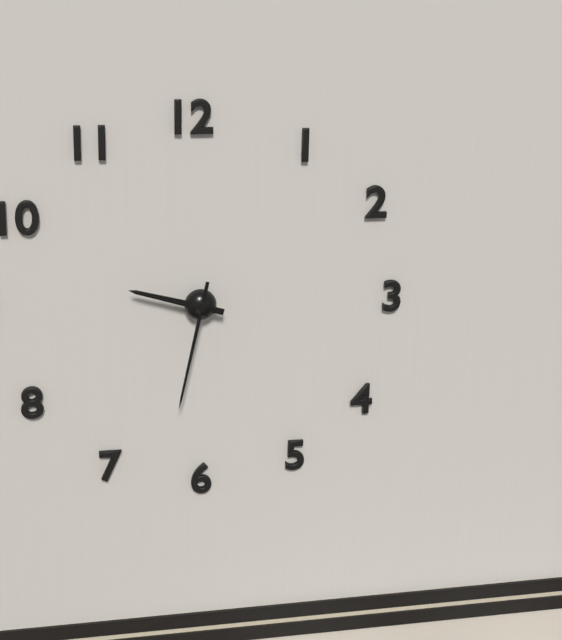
9,32
